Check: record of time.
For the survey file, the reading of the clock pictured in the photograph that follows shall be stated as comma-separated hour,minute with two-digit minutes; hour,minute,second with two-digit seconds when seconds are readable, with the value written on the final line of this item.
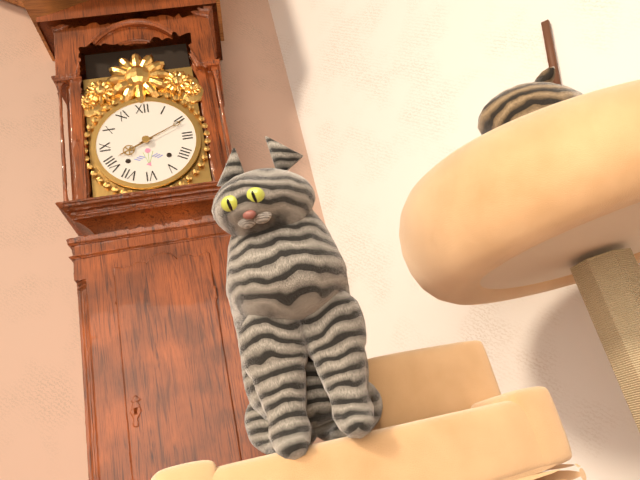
8,11
